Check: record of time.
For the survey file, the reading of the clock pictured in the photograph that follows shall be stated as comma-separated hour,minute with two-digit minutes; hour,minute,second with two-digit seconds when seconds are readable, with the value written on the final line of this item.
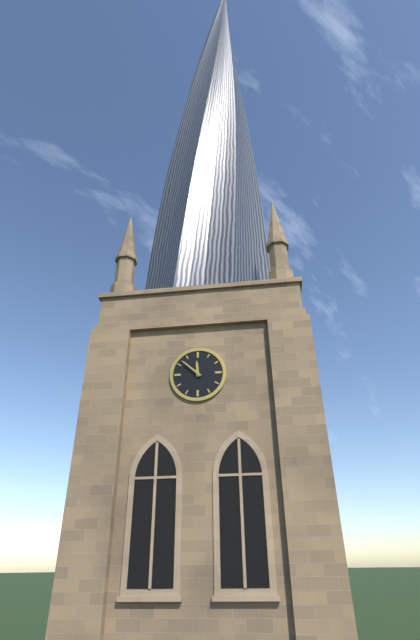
11,52
